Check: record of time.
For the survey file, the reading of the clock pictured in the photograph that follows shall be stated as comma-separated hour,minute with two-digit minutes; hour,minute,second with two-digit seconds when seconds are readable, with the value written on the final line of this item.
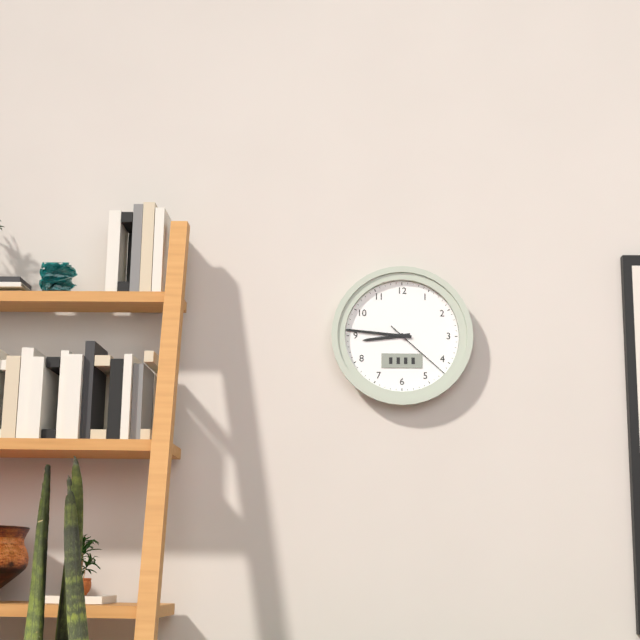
8,46,22
